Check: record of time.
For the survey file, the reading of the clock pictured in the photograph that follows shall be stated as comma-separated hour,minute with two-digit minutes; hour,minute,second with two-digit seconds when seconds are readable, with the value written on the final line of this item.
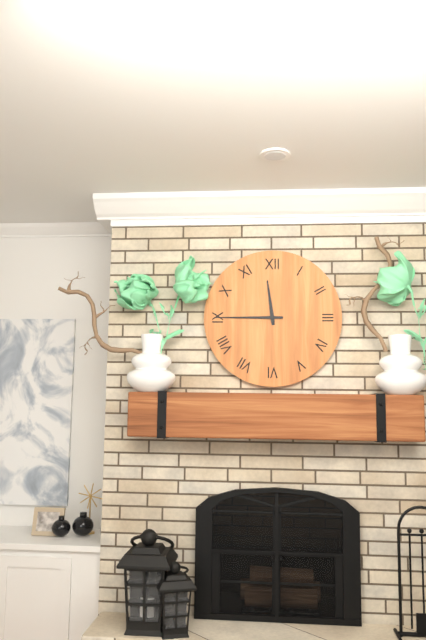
11,45
